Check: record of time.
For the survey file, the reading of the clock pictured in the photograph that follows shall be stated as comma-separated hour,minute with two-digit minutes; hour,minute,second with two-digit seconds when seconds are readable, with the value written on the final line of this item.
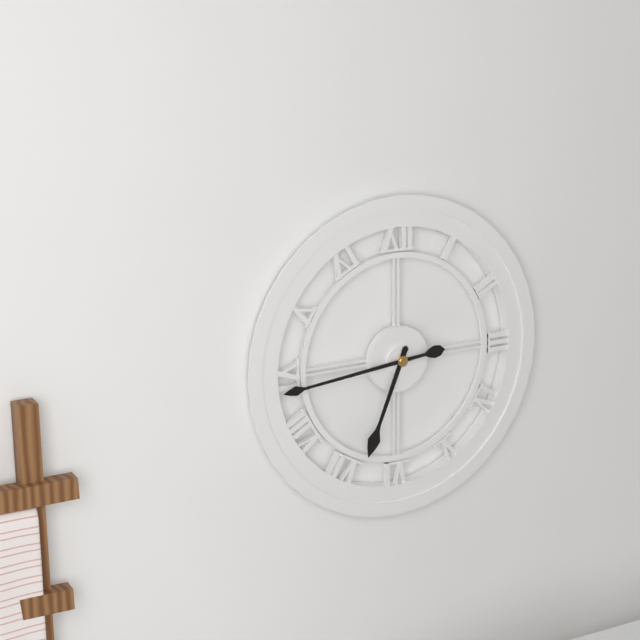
6,44
